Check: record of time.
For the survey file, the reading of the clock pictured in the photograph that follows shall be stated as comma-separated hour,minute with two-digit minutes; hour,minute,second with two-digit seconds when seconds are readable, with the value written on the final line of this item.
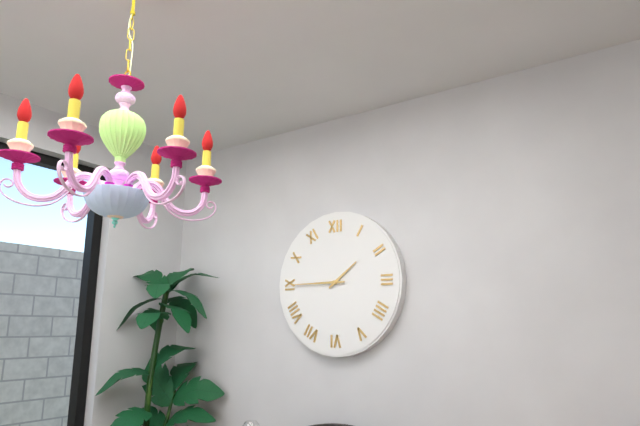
1,45
